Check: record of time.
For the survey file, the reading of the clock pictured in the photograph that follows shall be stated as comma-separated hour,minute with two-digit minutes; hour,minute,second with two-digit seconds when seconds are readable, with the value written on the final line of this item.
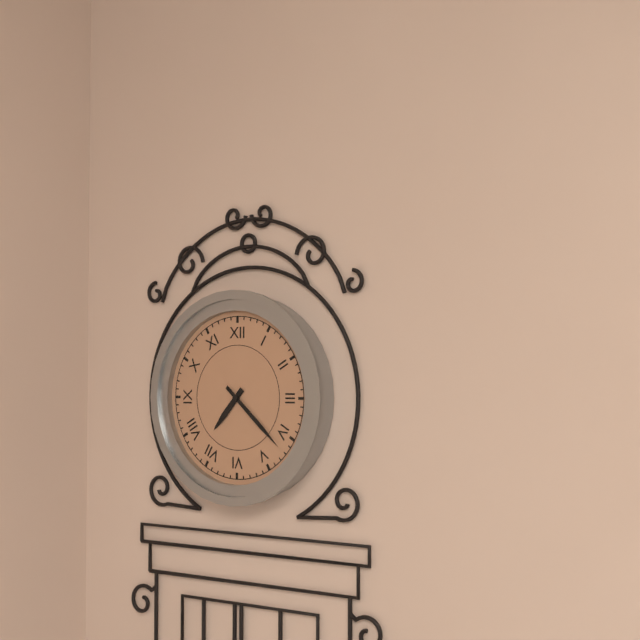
7,22
